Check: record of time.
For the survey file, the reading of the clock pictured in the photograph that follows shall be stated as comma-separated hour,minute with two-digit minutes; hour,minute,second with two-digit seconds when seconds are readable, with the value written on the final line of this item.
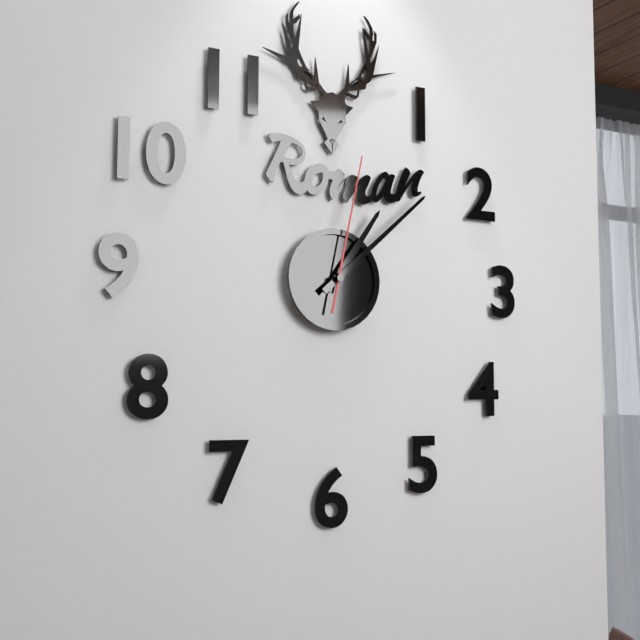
1,08,02
